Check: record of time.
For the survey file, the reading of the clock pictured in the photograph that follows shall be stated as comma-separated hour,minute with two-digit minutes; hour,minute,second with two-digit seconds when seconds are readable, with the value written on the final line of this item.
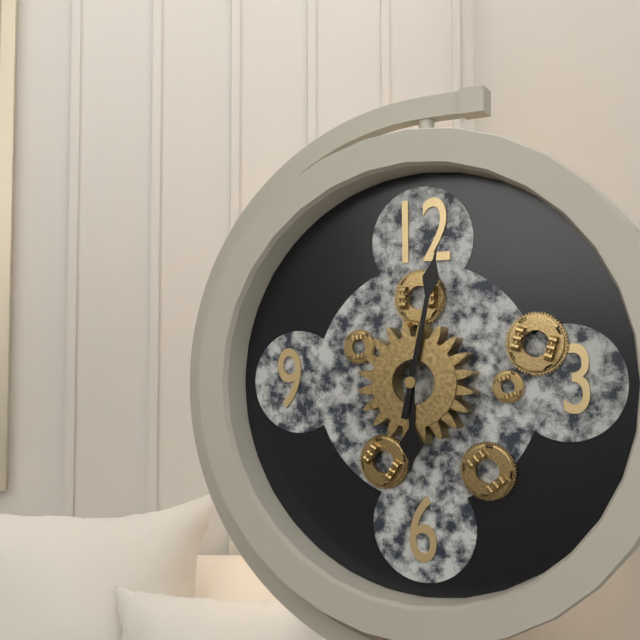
6,02
